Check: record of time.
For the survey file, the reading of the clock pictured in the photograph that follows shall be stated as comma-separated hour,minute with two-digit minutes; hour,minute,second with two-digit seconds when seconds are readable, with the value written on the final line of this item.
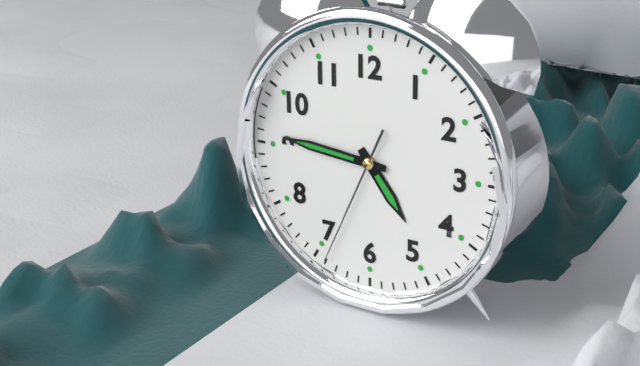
4,46,34
